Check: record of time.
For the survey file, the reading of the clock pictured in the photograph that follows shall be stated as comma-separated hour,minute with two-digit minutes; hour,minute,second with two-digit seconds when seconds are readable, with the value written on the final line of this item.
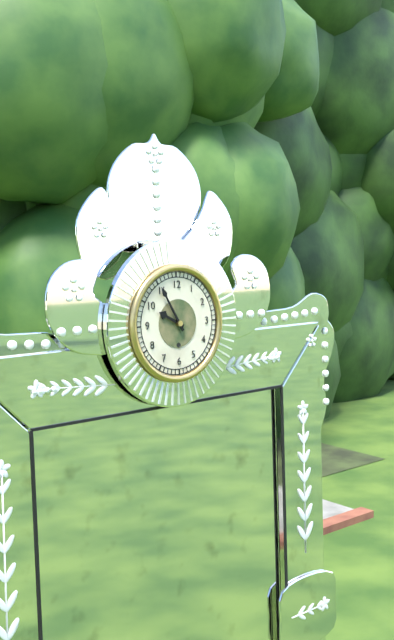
9,55
